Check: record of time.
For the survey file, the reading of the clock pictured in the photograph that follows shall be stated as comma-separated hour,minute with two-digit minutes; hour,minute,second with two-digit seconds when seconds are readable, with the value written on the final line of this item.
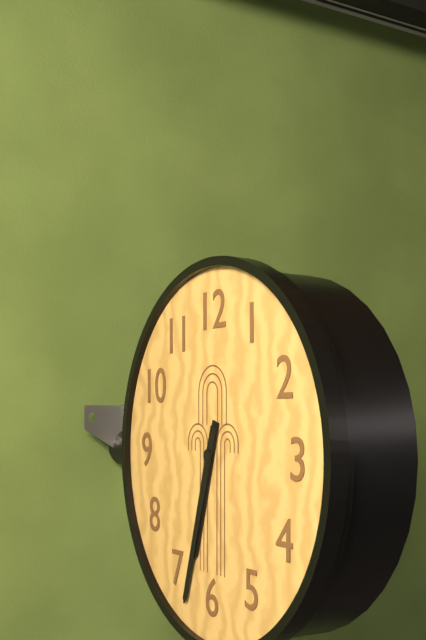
6,33
